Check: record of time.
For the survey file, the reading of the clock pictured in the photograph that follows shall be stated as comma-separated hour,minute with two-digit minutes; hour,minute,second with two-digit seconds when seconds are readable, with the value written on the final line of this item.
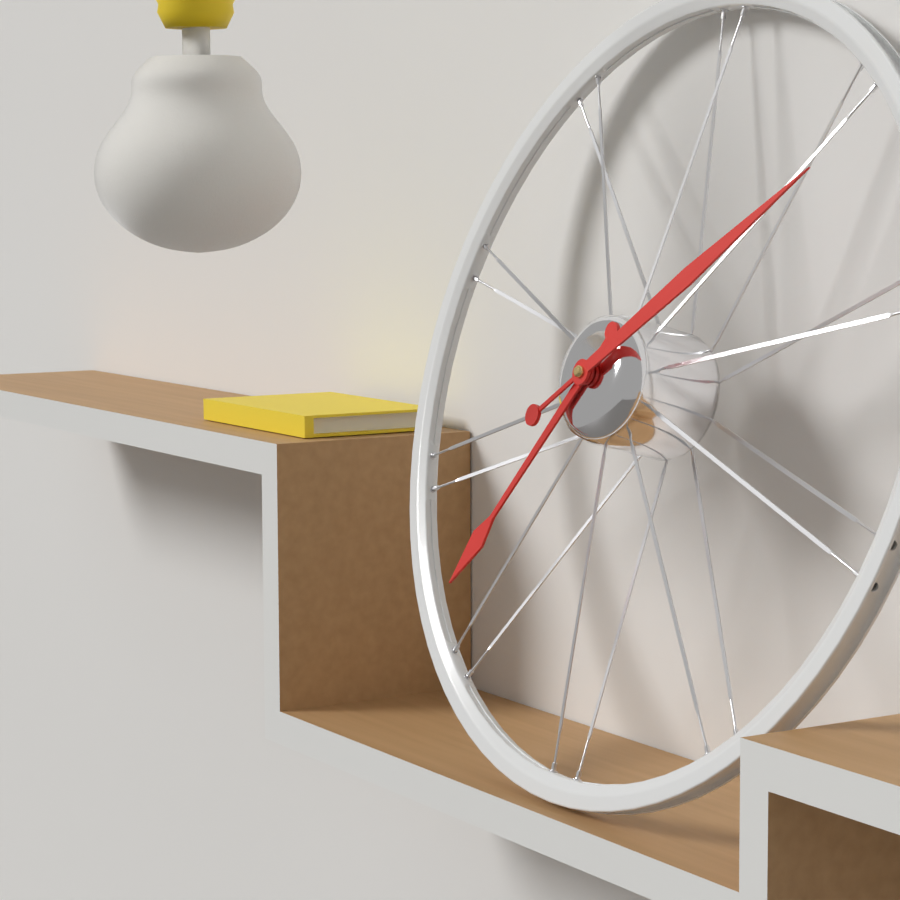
7,09
